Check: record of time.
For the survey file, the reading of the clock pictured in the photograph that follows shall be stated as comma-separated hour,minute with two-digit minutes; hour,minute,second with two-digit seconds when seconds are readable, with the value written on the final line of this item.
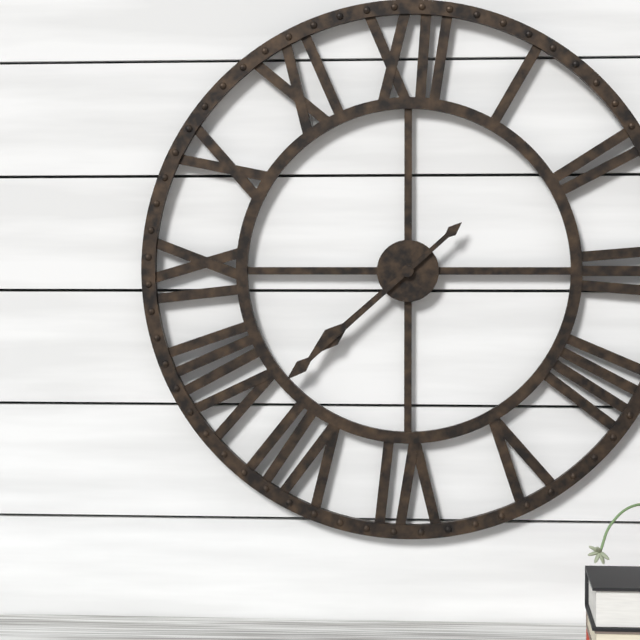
7,38
